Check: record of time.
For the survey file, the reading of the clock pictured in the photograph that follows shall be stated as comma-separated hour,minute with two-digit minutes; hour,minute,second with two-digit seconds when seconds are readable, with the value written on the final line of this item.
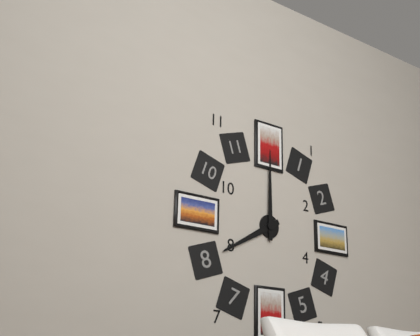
8,00
